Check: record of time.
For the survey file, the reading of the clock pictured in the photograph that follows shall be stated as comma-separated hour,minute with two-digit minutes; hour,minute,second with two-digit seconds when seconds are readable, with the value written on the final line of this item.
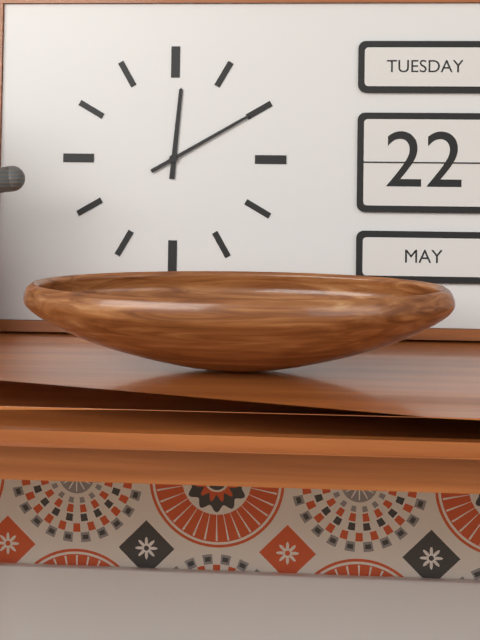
12,10
